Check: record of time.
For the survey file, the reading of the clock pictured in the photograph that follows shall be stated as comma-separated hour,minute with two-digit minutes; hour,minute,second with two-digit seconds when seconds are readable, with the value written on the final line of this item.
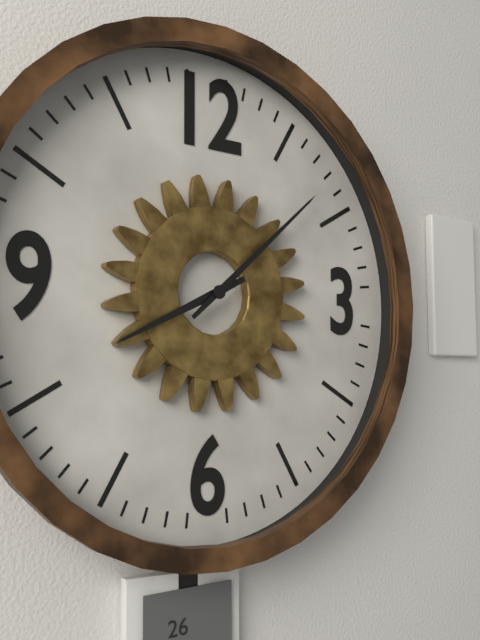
8,08
